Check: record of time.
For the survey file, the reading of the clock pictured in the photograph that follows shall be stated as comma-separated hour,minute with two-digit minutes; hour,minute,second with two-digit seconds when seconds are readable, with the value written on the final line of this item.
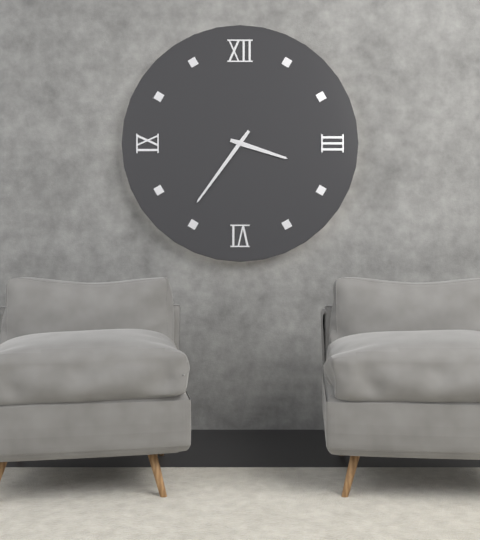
3,36
